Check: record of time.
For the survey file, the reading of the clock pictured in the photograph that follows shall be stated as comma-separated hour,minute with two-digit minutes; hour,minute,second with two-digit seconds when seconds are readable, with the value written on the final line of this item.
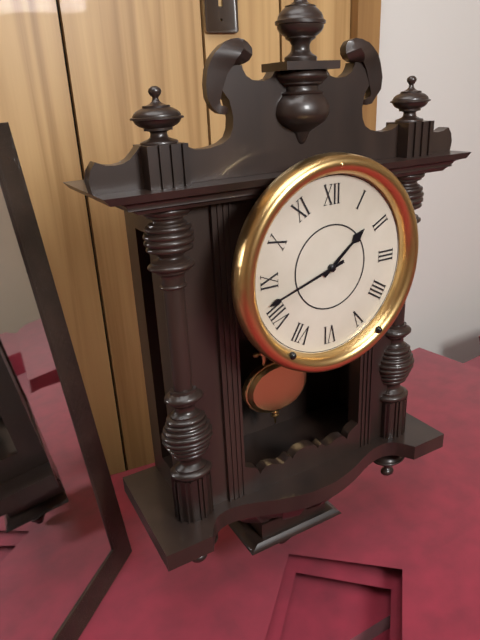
1,42
